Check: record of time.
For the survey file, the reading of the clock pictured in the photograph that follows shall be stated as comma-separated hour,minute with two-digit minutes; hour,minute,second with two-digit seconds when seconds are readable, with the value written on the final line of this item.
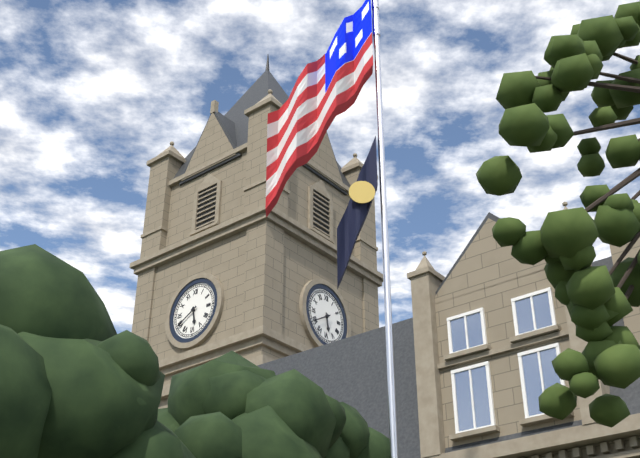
5,40
